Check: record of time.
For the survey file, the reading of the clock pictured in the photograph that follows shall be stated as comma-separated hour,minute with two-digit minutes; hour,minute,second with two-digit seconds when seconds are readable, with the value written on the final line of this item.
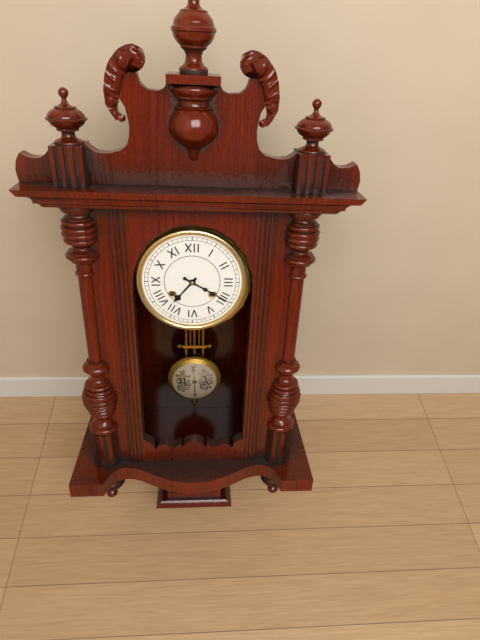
7,20
